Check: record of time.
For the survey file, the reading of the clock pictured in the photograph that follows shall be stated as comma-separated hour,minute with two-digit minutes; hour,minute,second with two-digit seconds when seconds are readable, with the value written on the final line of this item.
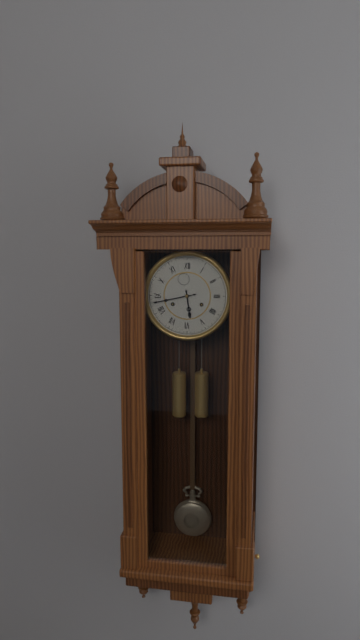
5,43
